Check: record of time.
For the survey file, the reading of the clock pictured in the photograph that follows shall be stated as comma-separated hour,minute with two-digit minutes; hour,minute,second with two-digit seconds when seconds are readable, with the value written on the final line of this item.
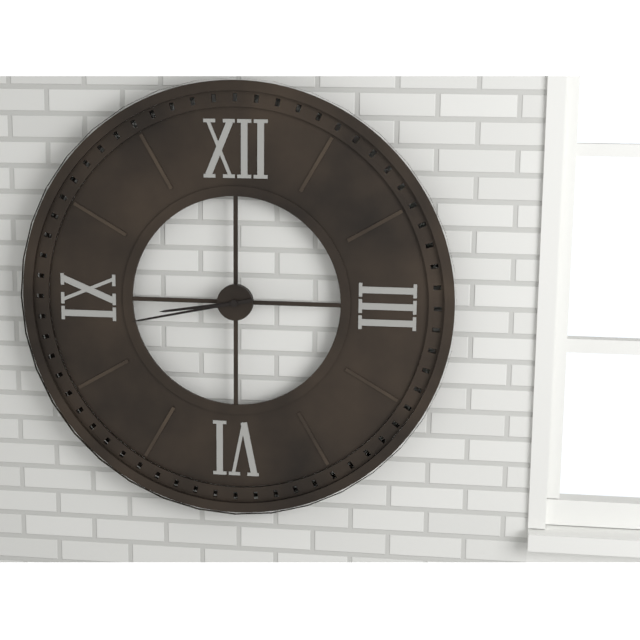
8,43
